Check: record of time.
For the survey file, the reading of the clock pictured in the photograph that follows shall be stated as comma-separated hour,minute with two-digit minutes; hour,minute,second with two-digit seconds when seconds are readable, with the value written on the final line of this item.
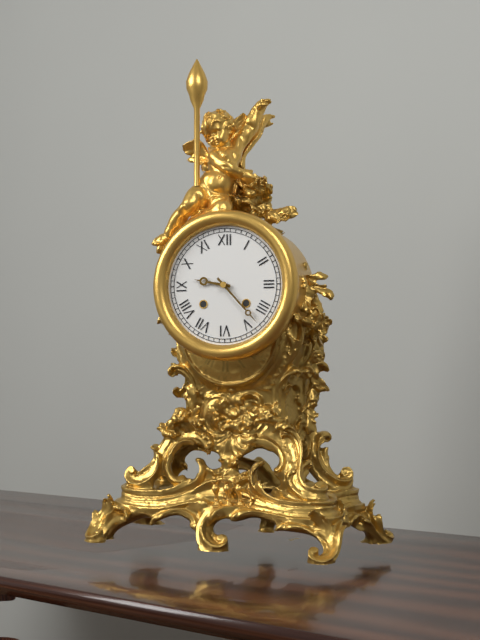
9,23
